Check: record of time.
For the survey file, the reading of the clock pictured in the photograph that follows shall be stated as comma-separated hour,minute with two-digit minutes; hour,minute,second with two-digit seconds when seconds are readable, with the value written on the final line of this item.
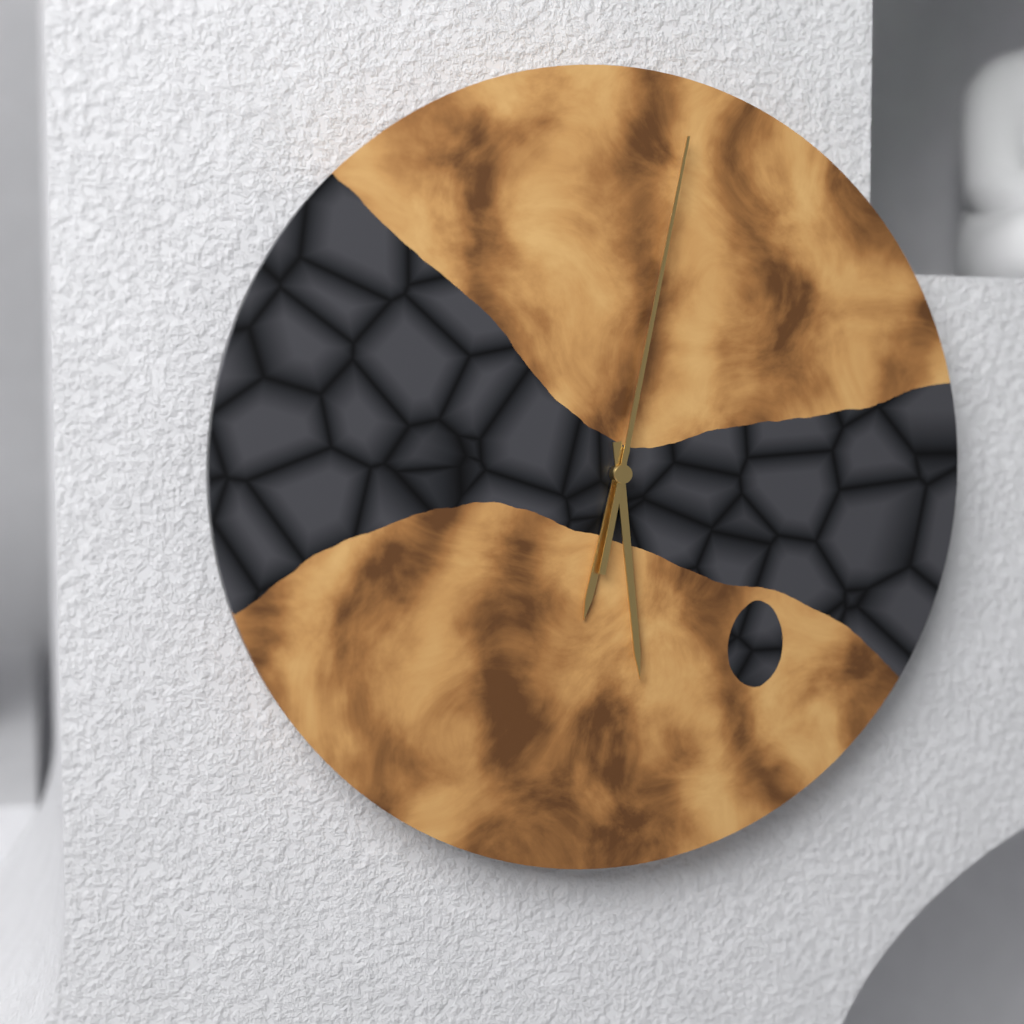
6,29,02
